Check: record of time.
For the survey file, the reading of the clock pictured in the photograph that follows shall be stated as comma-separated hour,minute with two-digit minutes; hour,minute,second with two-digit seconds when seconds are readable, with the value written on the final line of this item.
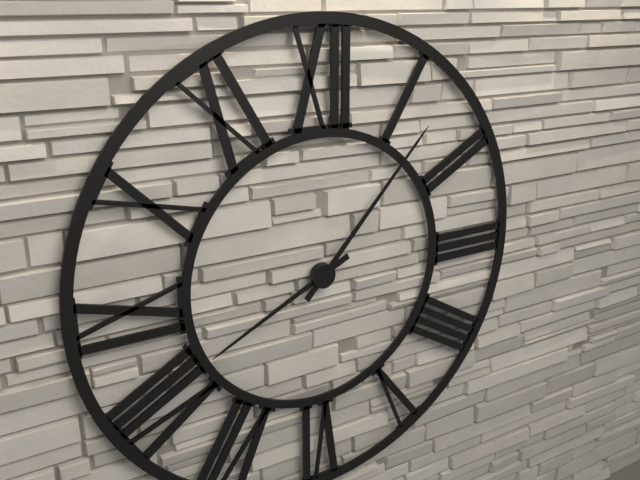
8,07
